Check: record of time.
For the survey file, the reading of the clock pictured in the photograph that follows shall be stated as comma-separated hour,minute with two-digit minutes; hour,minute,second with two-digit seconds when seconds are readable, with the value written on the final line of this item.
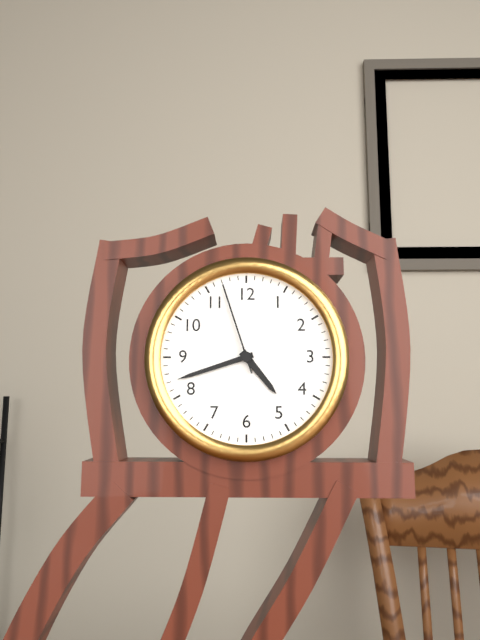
4,42,57
